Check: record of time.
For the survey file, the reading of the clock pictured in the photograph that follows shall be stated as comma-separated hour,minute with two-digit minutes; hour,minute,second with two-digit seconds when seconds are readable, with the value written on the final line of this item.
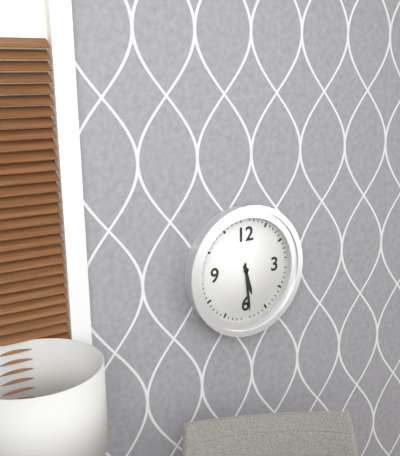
5,29
